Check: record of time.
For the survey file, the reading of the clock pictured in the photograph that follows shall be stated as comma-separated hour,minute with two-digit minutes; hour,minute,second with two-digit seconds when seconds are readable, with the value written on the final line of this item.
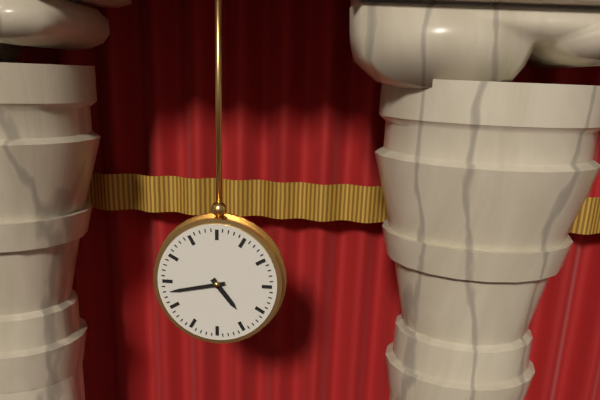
4,43
